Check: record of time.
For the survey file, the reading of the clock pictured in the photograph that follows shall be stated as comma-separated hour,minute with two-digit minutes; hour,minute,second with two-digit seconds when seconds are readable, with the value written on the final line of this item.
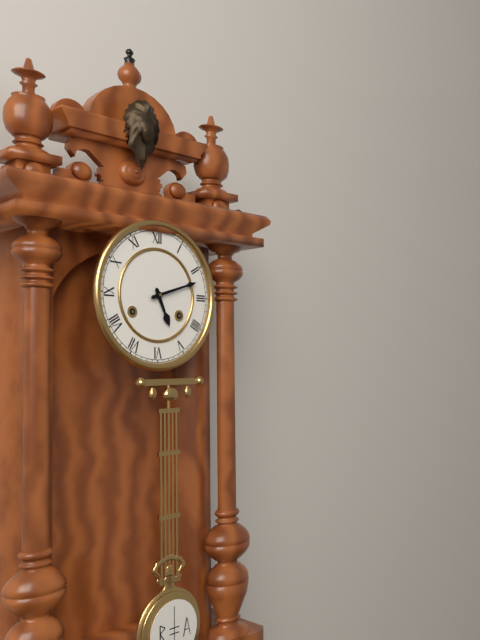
5,12
